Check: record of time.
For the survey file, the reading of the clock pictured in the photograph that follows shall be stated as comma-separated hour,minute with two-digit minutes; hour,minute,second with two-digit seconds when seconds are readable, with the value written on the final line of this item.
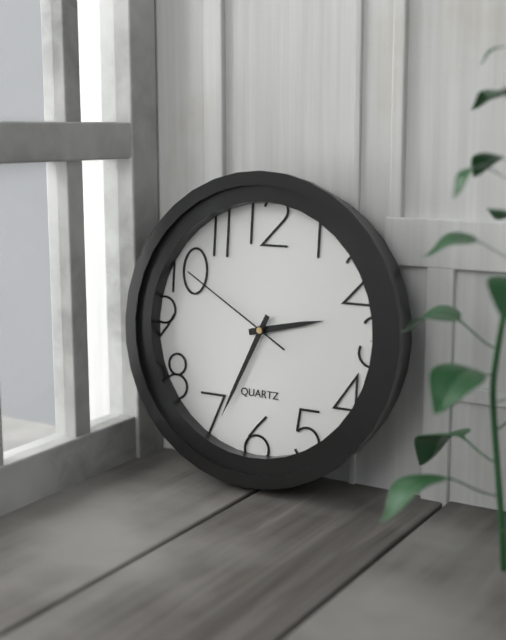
2,34,50
